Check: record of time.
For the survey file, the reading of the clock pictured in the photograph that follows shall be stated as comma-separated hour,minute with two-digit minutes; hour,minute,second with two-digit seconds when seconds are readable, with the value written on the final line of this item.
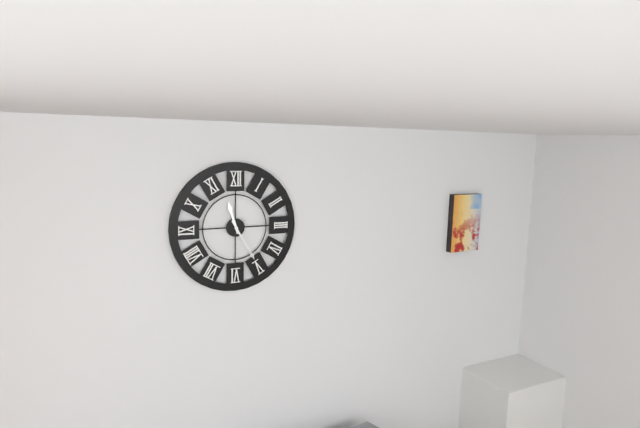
11,25
